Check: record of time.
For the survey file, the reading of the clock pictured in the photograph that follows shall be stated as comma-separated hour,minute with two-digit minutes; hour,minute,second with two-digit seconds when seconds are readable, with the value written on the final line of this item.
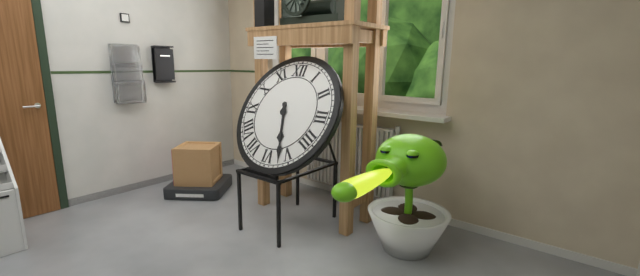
5,27
